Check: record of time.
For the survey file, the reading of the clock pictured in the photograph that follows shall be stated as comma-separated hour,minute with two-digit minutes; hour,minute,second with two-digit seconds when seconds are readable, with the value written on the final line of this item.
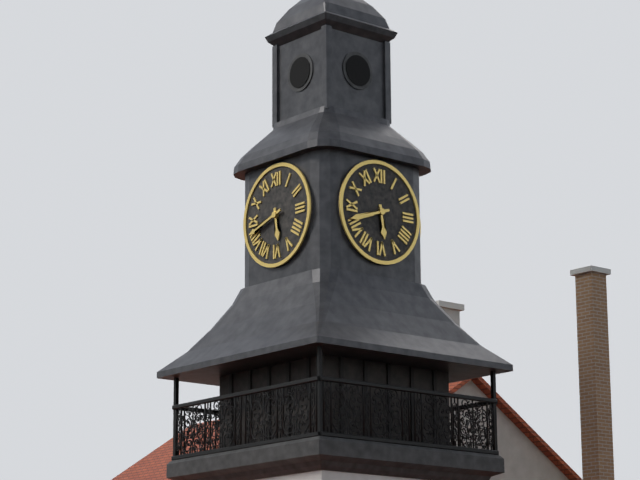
5,42
